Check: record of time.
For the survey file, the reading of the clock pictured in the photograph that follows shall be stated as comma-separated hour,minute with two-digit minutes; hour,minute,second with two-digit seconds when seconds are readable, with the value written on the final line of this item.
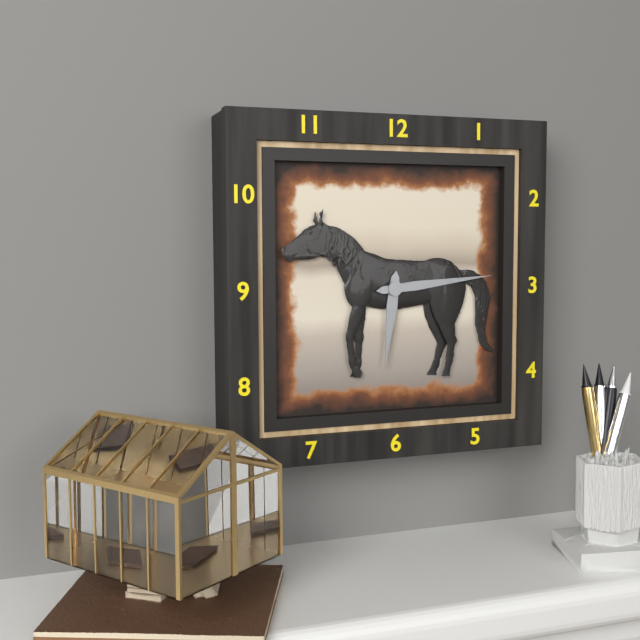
6,14
